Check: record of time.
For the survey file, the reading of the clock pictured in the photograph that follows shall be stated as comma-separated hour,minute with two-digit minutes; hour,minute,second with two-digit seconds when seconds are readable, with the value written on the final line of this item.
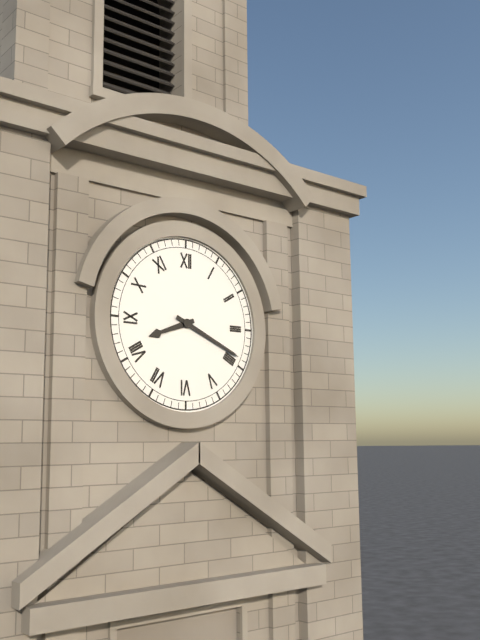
8,19
